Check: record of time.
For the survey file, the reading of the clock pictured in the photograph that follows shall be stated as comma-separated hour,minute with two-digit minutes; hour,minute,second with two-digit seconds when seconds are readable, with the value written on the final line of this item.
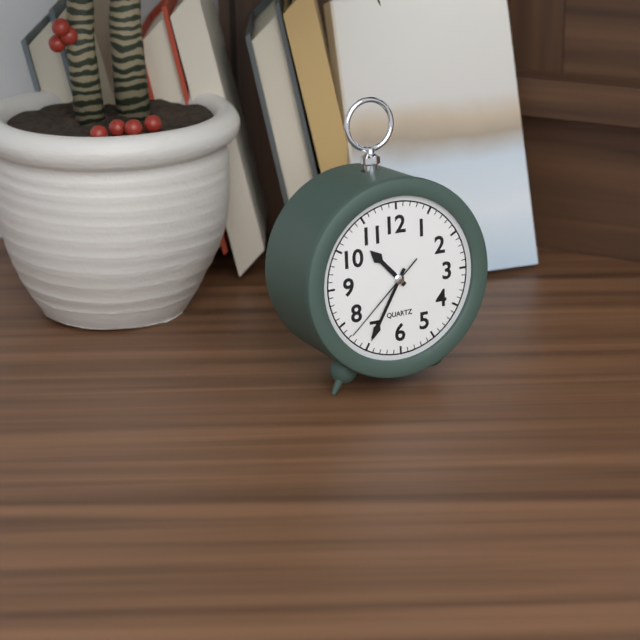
10,35,38
